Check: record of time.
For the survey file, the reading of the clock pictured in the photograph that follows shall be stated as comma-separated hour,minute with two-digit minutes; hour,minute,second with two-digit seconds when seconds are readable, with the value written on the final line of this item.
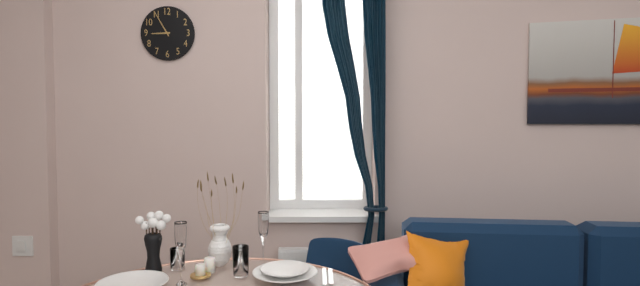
8,55
